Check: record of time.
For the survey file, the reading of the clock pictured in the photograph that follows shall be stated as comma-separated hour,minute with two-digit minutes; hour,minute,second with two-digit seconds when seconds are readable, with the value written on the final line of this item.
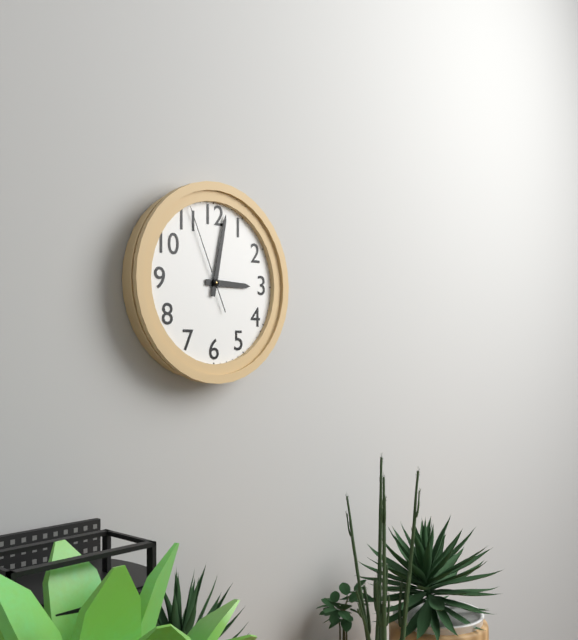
3,02,56
